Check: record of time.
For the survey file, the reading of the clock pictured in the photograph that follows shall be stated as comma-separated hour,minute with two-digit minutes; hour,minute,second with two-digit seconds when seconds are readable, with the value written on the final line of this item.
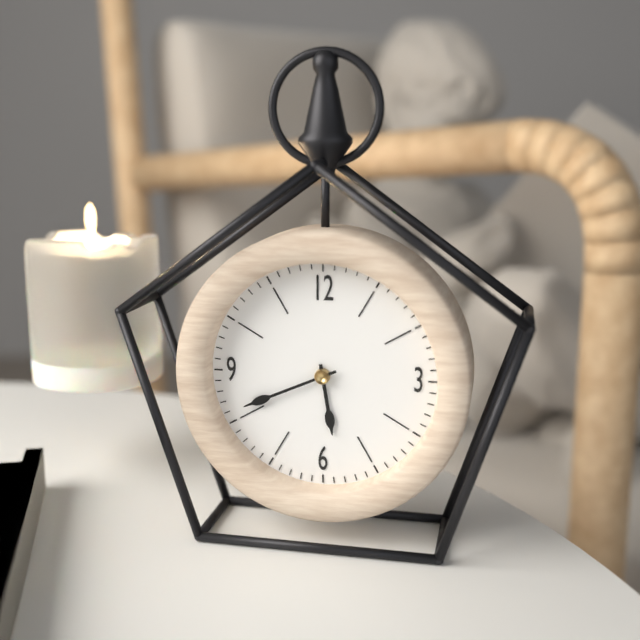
5,41
